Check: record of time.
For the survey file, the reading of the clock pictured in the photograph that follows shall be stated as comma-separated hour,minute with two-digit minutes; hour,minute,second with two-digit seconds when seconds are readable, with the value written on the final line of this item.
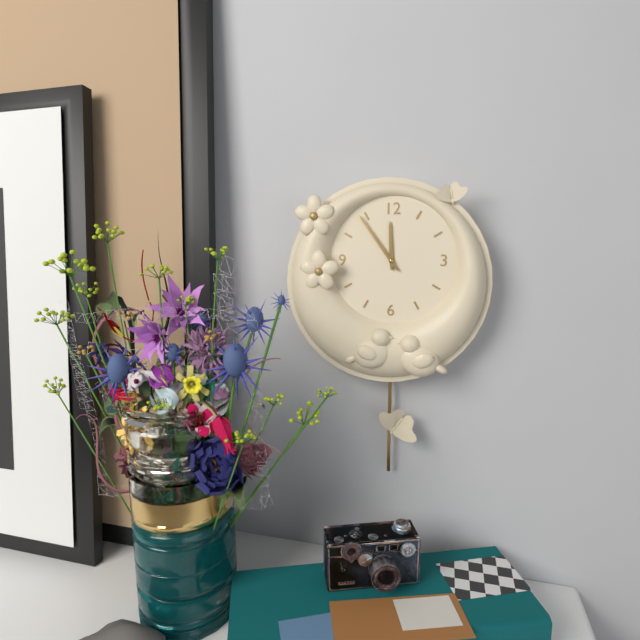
11,54
